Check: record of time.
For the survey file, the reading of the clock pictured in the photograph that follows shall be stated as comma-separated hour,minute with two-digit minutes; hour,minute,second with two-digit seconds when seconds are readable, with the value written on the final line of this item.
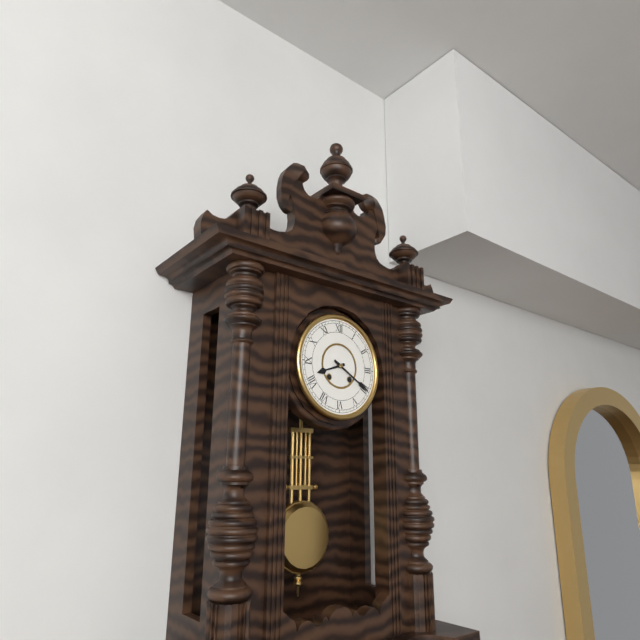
8,20
